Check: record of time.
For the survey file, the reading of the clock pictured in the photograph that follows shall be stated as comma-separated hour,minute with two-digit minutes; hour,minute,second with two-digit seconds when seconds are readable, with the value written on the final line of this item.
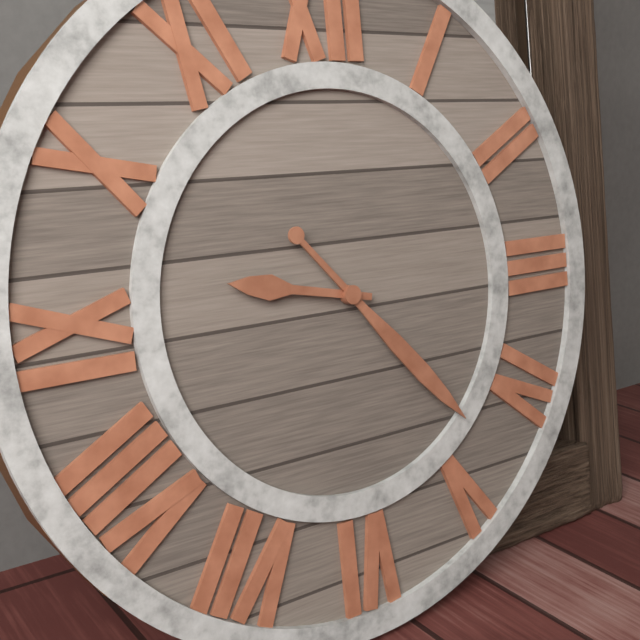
9,23
